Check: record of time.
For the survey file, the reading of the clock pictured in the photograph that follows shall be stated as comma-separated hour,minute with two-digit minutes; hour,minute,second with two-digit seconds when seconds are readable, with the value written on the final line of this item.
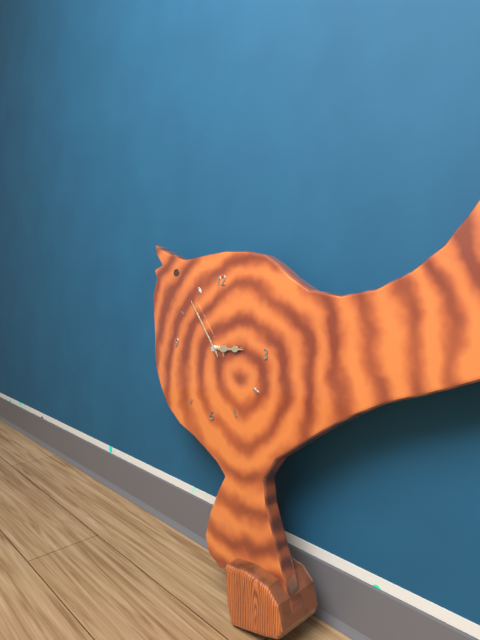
2,53
